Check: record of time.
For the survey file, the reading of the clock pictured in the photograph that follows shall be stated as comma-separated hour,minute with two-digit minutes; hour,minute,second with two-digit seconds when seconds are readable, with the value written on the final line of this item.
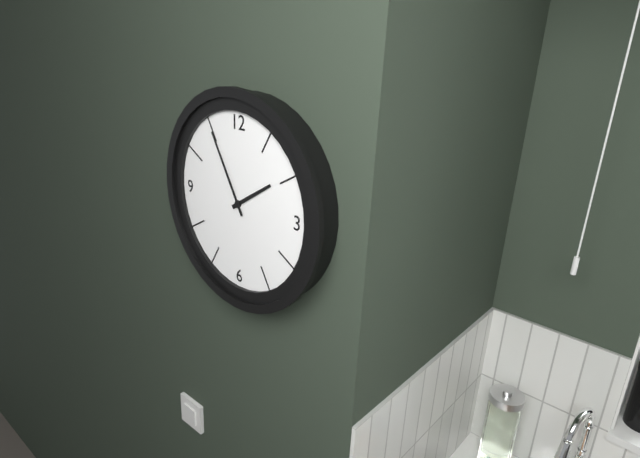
1,55
